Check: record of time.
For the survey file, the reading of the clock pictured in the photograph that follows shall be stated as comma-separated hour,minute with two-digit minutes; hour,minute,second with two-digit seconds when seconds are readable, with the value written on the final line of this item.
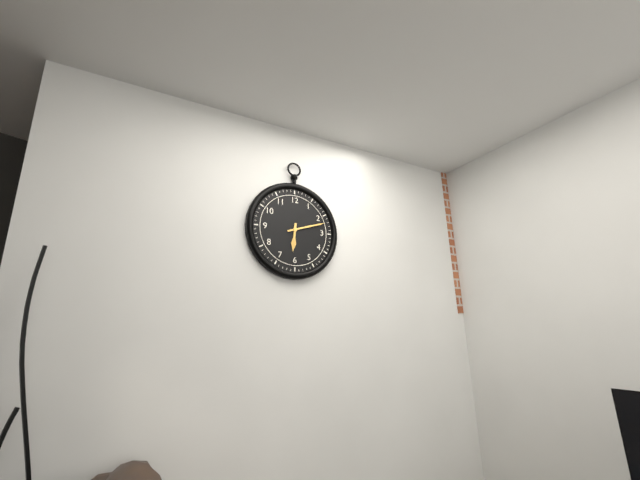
6,12
